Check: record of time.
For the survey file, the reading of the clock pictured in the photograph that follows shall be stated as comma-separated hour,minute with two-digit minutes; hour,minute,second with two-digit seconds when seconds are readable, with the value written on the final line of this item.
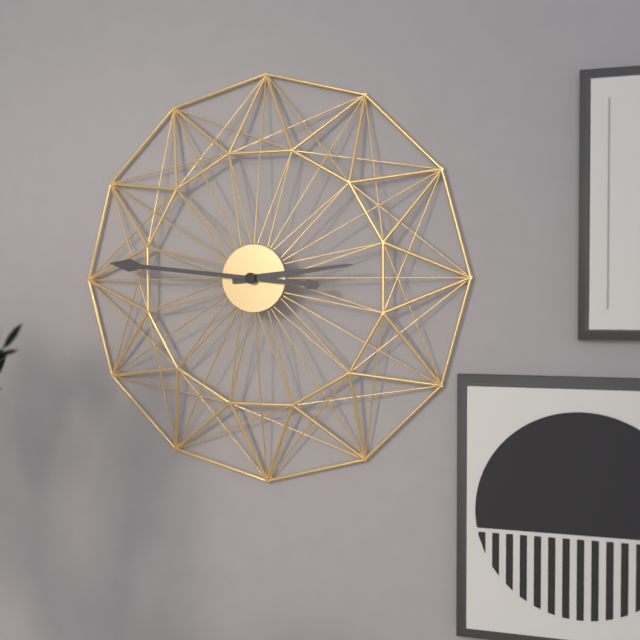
2,46
